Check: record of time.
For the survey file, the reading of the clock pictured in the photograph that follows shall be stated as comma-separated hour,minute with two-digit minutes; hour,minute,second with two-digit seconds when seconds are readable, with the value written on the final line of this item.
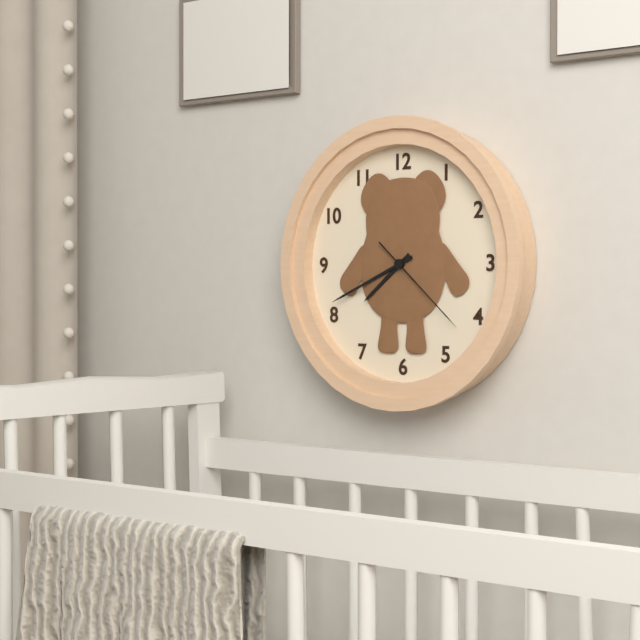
7,41,22
